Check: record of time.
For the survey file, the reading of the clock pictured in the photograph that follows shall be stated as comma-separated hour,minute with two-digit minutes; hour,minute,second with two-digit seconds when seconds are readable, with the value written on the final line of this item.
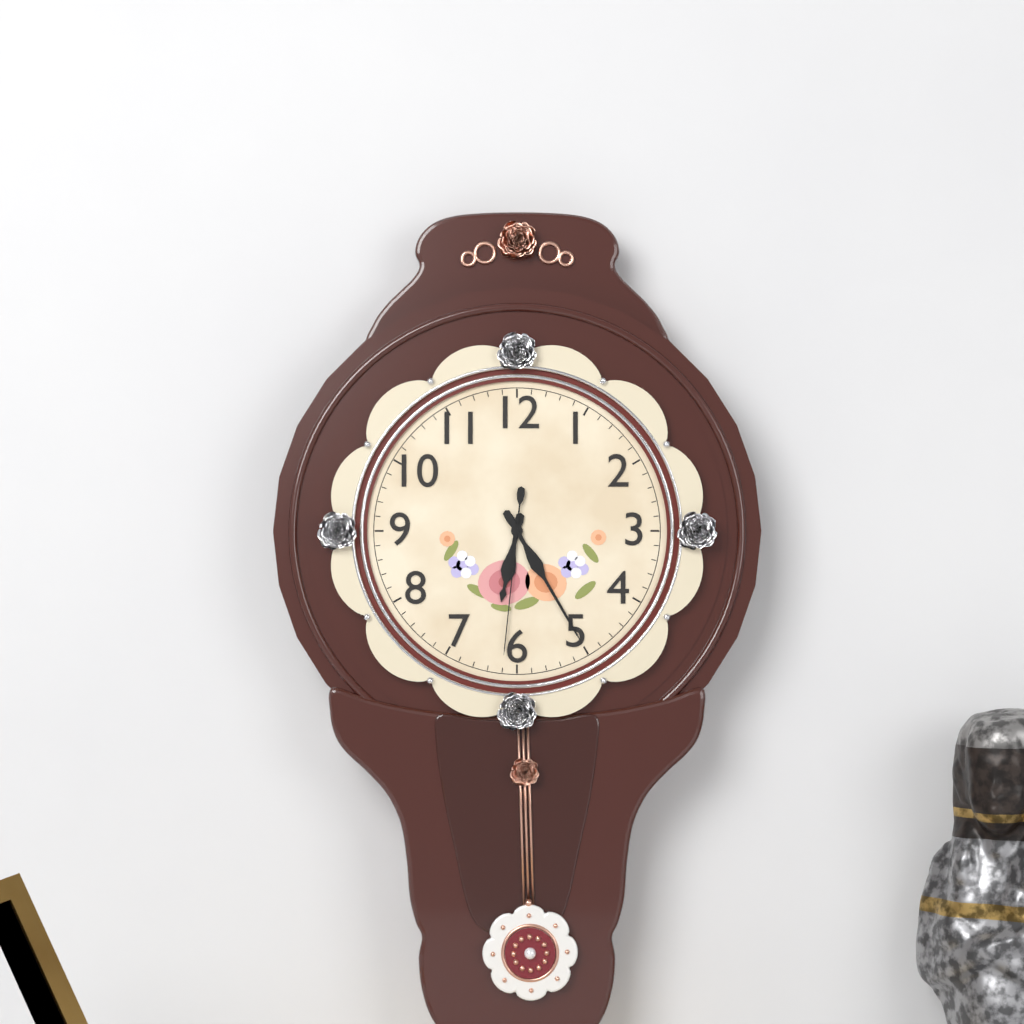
6,25,31
